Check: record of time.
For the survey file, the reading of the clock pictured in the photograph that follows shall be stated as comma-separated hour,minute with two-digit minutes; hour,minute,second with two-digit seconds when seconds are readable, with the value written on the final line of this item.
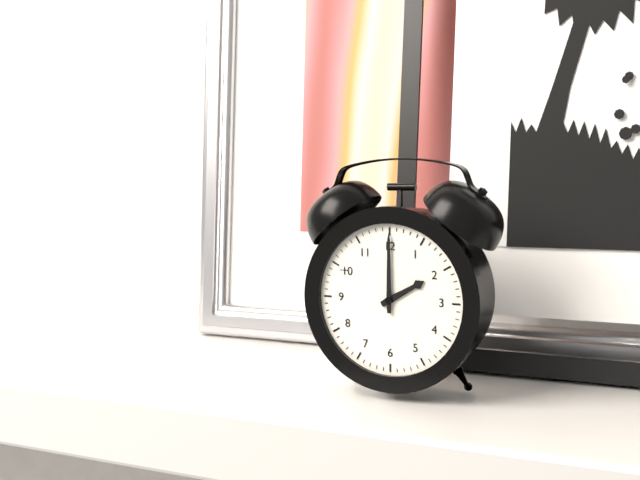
2,00
